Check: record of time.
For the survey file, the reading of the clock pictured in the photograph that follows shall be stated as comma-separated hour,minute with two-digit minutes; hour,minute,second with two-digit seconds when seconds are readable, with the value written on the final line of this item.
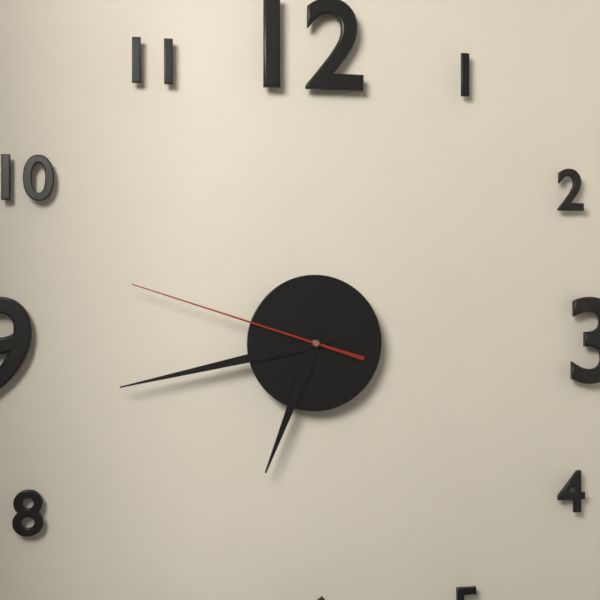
6,43,48
